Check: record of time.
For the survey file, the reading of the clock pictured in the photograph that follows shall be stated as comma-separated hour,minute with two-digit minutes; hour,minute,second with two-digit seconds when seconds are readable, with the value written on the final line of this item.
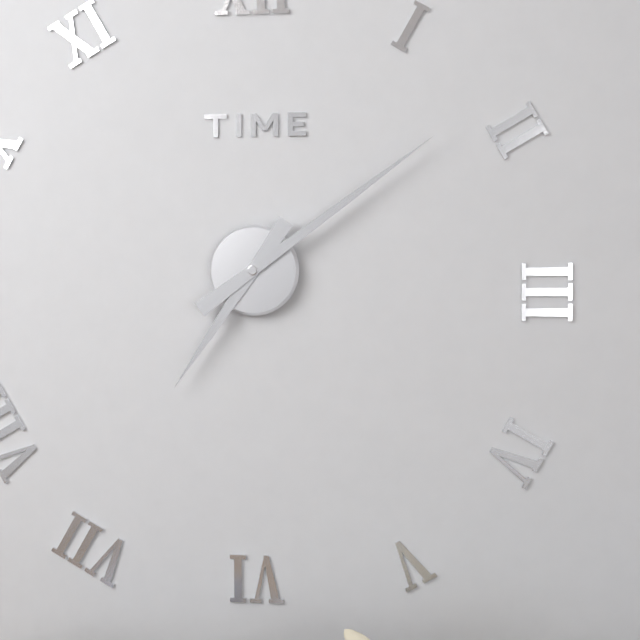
7,09
